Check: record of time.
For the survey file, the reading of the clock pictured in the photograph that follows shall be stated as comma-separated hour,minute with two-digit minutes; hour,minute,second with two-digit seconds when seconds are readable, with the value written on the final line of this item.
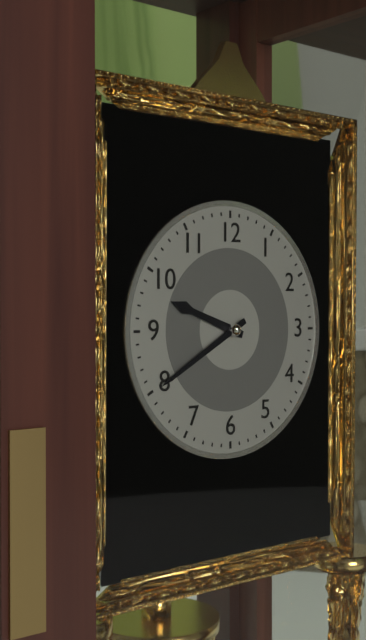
9,40
